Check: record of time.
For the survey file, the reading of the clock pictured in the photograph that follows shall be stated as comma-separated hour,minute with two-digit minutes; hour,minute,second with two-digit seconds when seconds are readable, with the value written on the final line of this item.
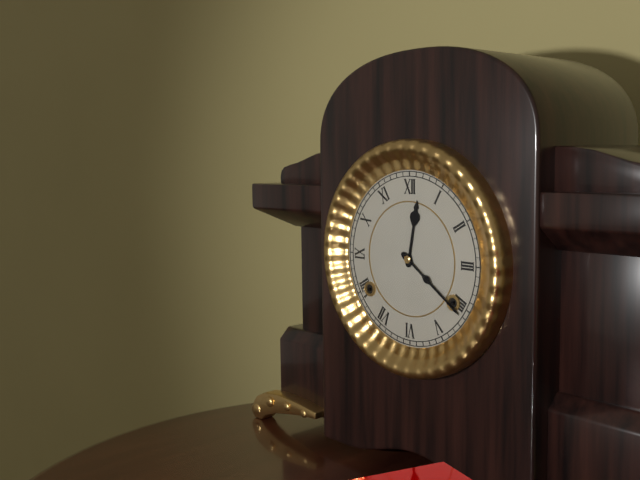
12,21
